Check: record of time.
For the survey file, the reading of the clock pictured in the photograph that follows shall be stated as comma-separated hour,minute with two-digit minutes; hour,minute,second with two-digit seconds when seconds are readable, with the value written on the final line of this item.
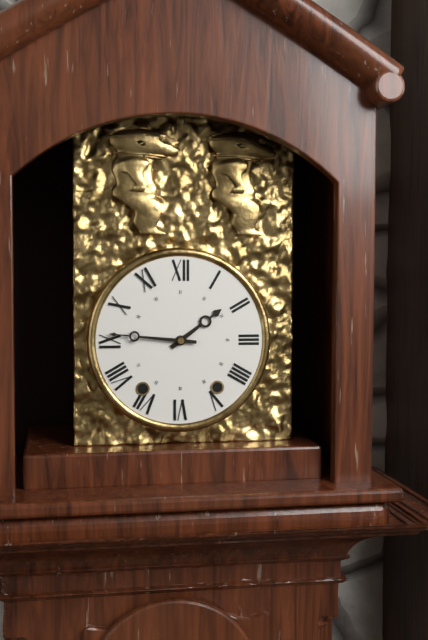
1,46
